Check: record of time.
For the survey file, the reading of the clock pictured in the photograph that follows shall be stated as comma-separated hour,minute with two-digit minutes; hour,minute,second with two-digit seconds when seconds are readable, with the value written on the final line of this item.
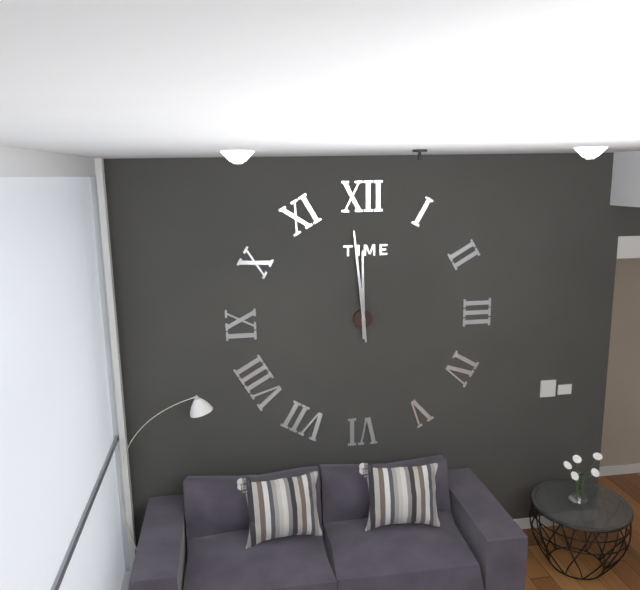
11,59
